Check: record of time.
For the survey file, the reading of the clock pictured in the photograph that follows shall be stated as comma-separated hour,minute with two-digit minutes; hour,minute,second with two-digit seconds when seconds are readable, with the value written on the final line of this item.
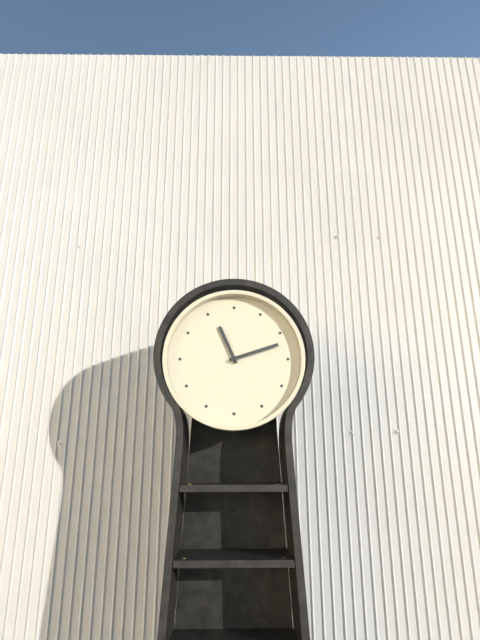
11,12
